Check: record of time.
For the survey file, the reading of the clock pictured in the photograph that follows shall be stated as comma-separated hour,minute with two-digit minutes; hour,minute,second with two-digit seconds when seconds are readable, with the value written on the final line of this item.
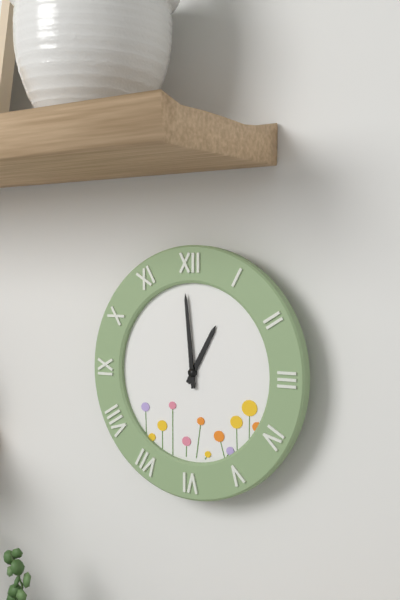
12,59
